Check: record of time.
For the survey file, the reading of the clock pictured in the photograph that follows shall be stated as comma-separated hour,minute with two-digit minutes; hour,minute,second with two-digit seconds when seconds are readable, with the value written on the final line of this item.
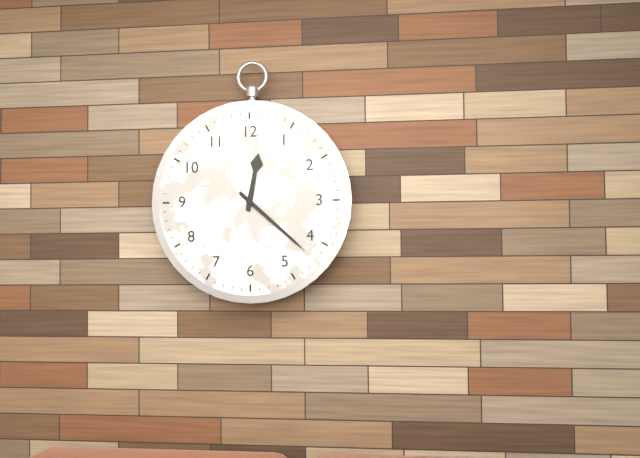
12,22
